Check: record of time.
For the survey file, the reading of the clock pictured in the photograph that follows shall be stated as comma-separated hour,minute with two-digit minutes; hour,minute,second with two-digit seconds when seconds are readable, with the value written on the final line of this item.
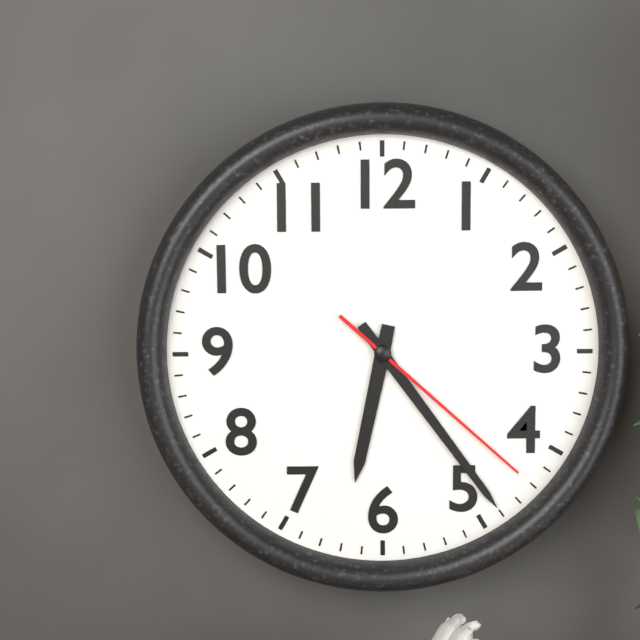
6,24,22
